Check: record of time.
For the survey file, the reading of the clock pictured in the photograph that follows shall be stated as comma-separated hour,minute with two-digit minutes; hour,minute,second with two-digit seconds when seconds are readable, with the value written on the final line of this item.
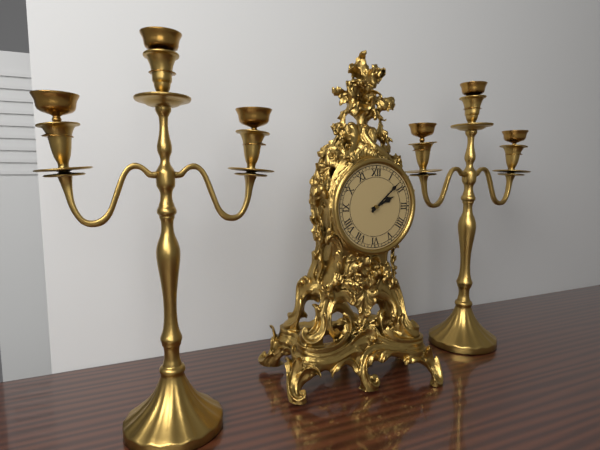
2,08
